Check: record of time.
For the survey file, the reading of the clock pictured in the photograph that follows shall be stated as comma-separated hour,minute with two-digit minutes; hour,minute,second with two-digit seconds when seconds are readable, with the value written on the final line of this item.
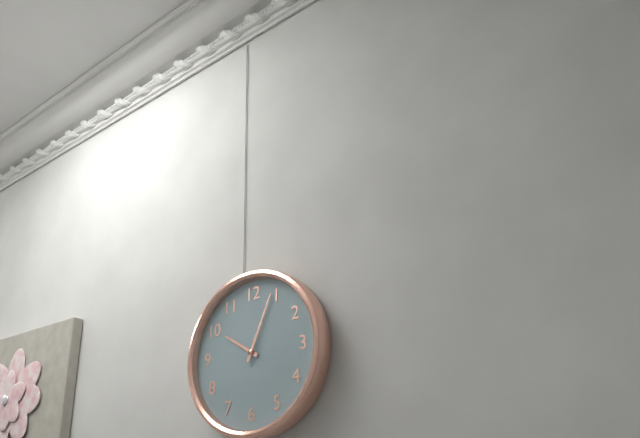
10,04
